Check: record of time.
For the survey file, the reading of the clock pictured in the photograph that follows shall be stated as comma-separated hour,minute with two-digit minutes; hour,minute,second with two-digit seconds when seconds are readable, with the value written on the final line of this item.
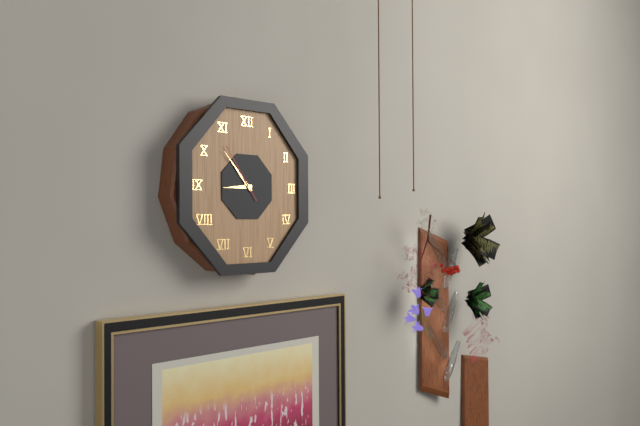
8,53,54
